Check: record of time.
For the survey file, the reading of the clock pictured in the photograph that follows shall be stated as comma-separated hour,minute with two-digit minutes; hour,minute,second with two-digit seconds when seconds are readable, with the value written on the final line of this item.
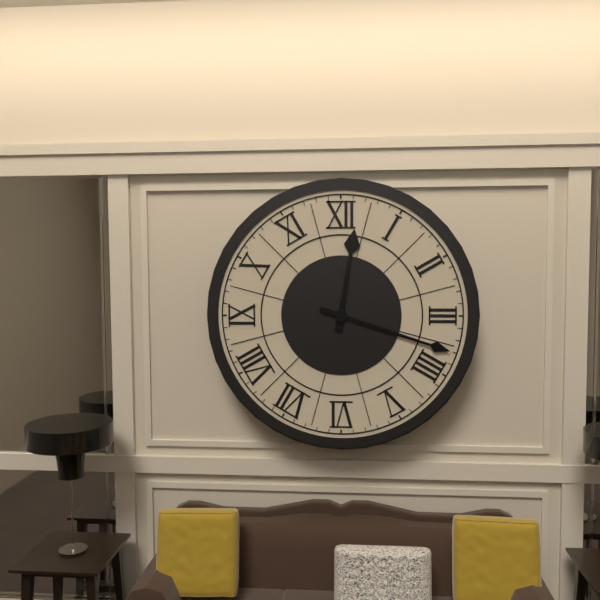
12,18
